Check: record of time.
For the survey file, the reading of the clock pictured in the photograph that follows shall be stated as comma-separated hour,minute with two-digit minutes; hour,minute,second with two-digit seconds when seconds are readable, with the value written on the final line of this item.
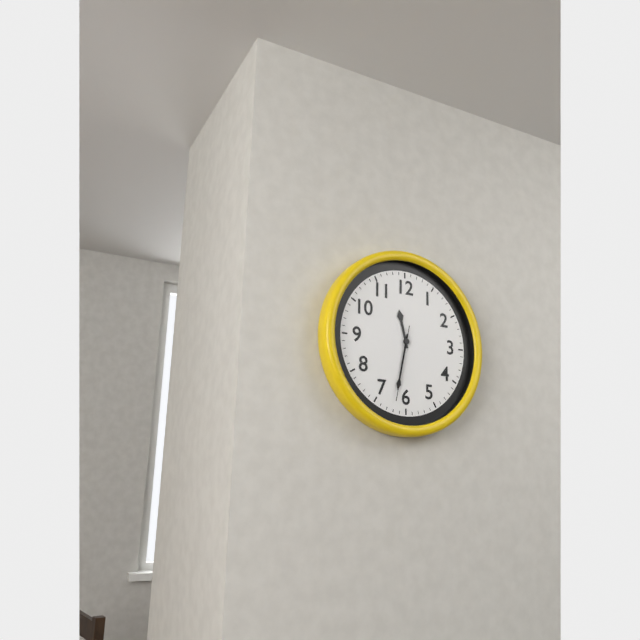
11,32,32
